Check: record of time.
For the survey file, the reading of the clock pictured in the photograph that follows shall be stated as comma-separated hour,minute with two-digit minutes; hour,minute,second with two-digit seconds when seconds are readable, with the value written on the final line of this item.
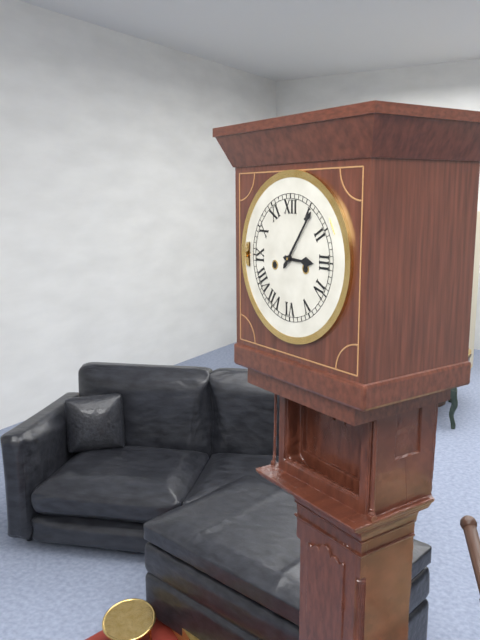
3,06
